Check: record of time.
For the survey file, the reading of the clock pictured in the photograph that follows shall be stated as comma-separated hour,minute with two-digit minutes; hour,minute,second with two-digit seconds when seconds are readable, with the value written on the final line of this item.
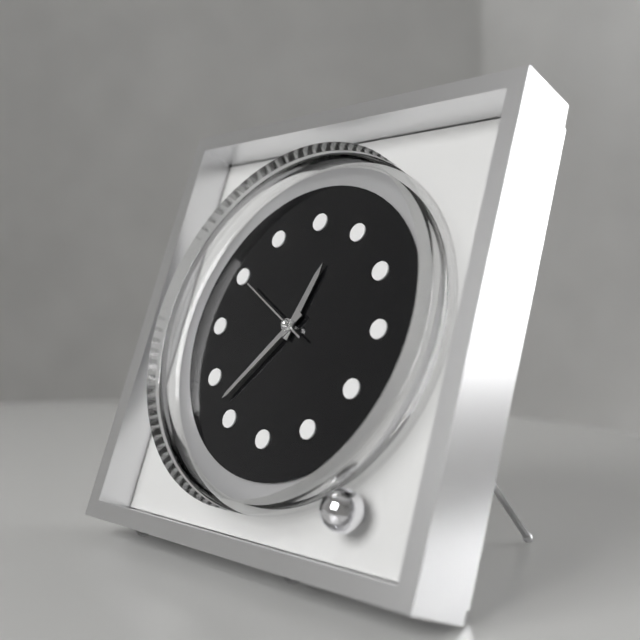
12,37,50
